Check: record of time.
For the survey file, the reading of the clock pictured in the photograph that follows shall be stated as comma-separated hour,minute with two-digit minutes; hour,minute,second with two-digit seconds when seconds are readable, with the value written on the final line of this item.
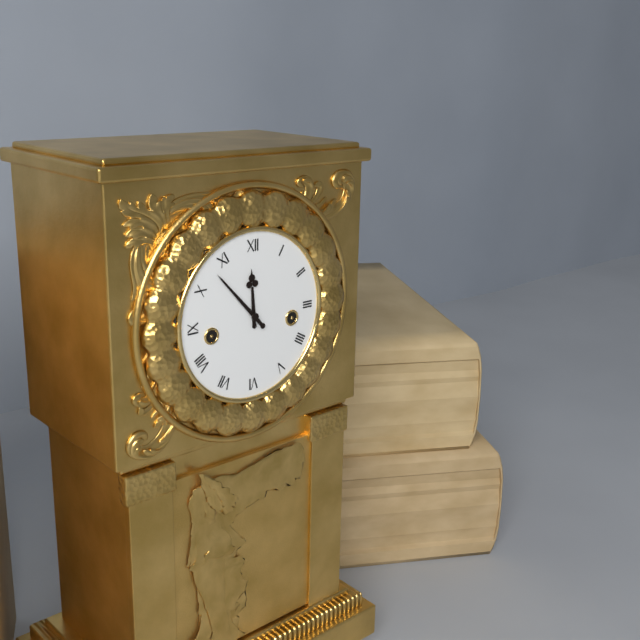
11,53
